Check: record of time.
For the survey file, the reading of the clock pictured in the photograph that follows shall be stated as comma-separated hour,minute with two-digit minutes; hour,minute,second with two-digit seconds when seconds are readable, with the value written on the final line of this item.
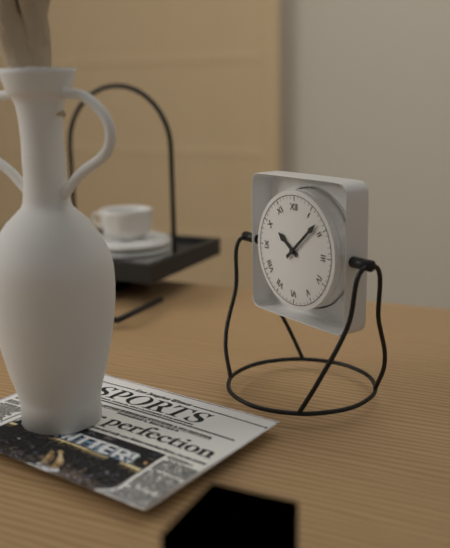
10,08
